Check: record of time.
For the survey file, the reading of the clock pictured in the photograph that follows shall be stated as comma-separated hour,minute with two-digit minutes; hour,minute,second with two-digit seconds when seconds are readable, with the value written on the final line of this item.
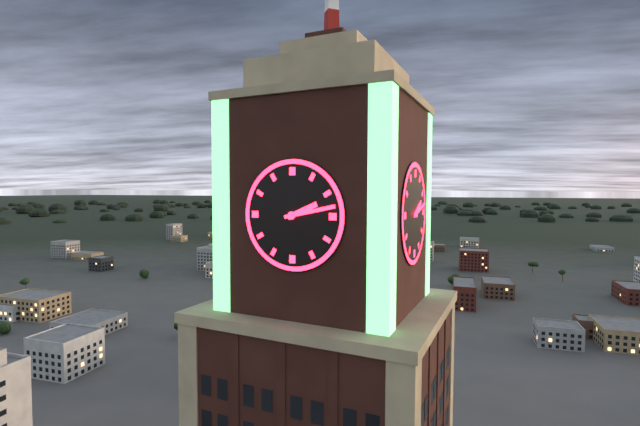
2,13
